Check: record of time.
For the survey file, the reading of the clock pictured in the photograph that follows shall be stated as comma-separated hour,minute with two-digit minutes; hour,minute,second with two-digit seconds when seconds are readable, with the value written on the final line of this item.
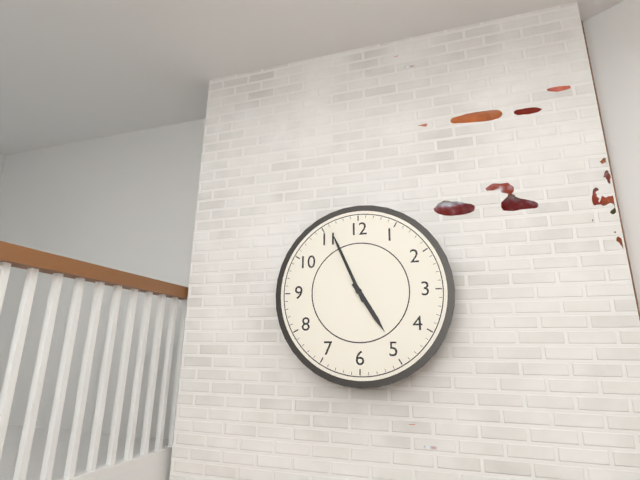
4,56
